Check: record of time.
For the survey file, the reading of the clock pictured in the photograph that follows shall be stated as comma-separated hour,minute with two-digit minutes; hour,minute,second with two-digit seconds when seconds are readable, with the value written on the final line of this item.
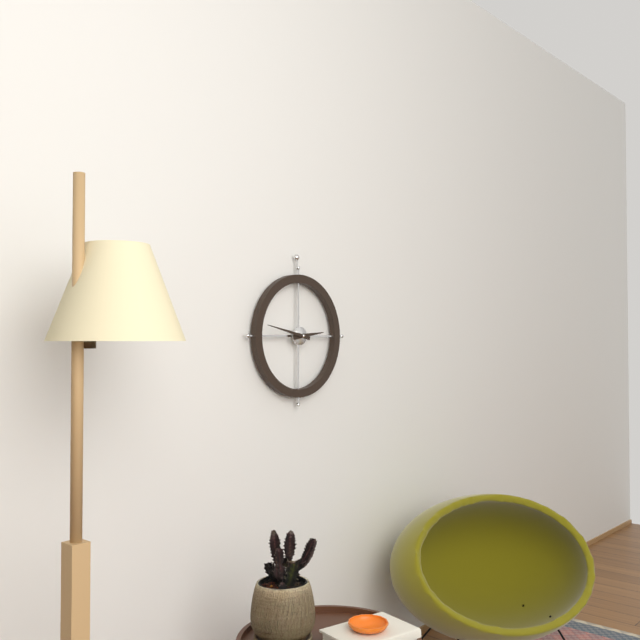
2,47
